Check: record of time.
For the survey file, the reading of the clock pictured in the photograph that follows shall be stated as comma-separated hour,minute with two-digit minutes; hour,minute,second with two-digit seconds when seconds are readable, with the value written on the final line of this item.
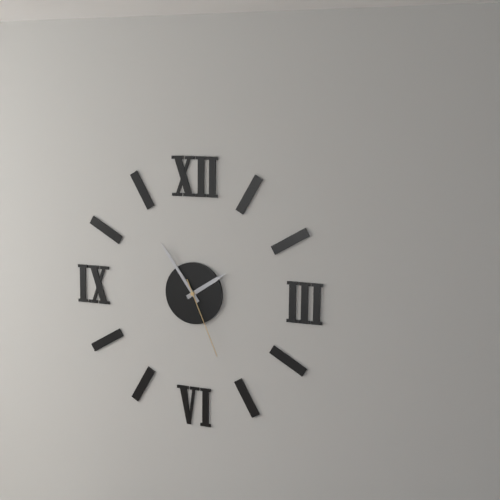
1,54,26
